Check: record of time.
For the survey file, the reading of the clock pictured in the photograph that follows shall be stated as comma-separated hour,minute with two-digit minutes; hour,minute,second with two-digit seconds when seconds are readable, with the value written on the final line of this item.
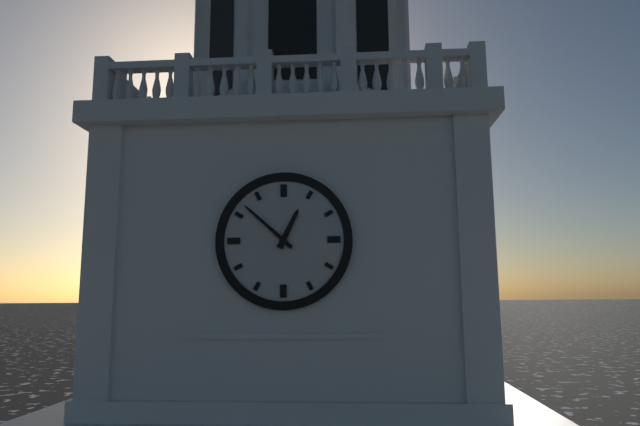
12,52
